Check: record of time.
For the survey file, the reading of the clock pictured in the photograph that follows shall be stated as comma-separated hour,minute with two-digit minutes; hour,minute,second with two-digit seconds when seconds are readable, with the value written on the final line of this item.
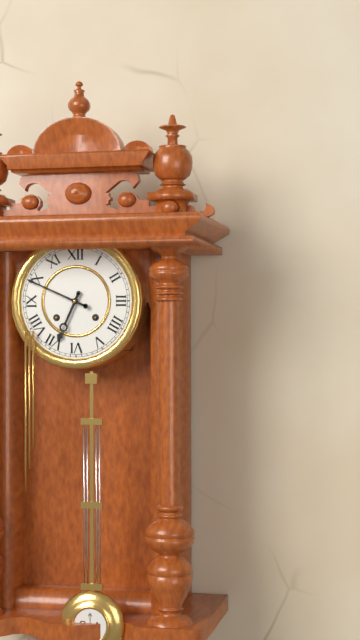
6,49
